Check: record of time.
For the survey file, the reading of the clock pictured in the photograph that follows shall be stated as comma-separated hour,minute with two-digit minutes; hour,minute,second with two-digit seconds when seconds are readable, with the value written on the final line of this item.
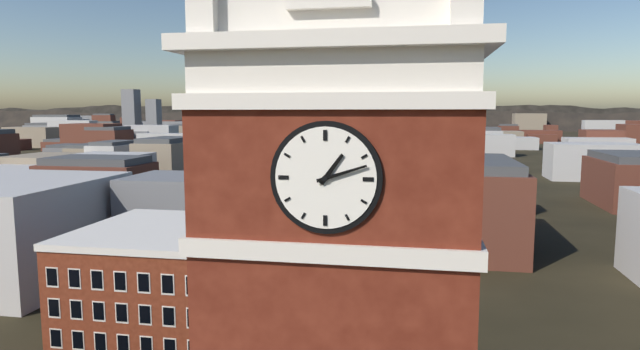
1,12
